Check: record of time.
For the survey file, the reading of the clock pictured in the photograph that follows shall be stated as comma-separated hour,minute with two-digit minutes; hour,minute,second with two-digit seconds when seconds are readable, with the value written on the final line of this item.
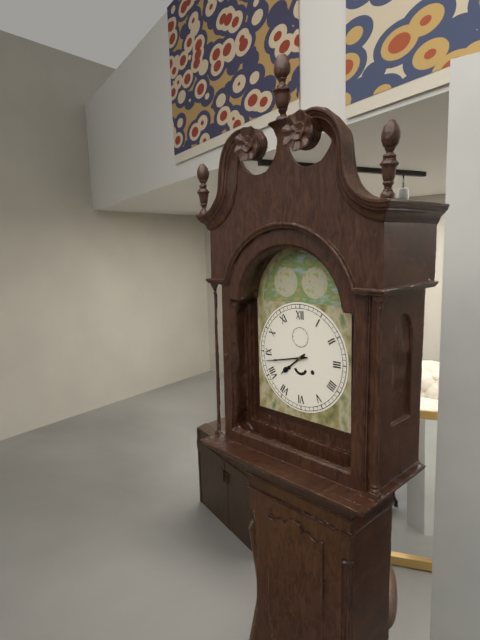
7,43
